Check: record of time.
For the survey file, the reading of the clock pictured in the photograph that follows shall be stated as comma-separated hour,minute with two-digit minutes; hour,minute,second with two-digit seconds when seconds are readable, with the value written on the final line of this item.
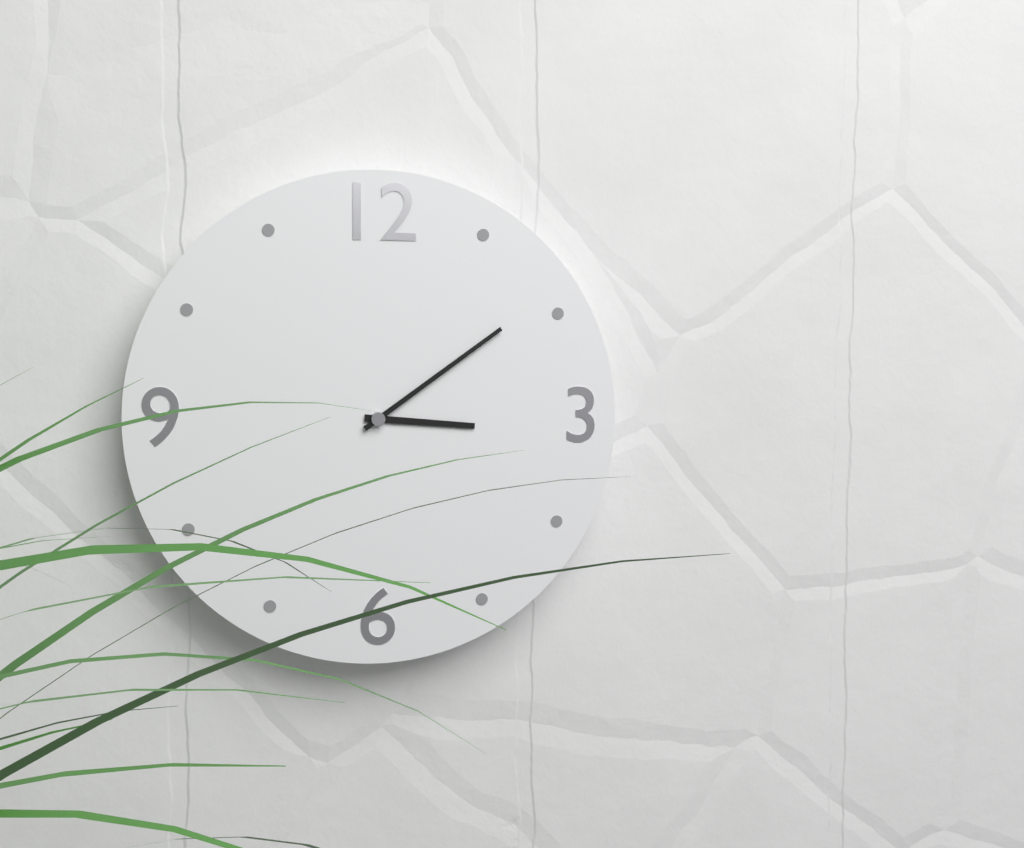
3,09
